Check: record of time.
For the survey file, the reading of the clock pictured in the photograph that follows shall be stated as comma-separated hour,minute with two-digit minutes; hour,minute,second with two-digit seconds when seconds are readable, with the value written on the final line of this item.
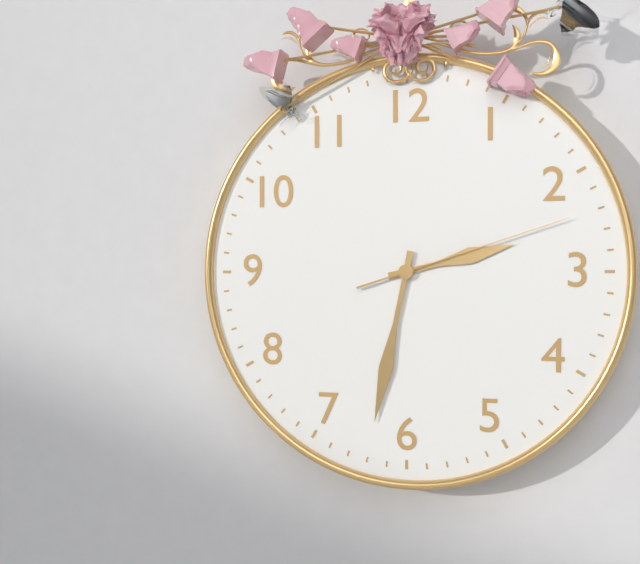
2,32,12
